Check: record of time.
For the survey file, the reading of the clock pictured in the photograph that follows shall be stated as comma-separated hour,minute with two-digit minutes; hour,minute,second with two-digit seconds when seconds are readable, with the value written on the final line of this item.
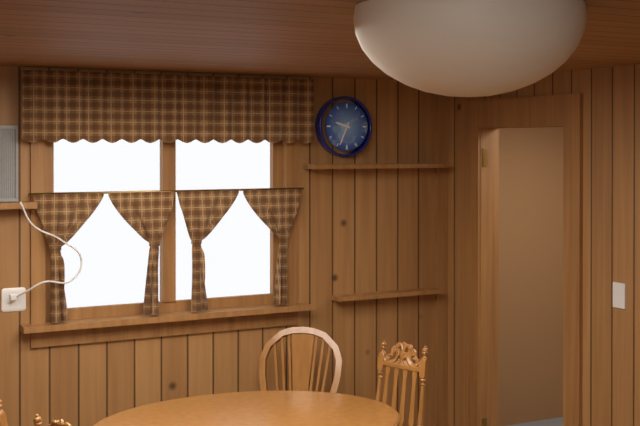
9,34
